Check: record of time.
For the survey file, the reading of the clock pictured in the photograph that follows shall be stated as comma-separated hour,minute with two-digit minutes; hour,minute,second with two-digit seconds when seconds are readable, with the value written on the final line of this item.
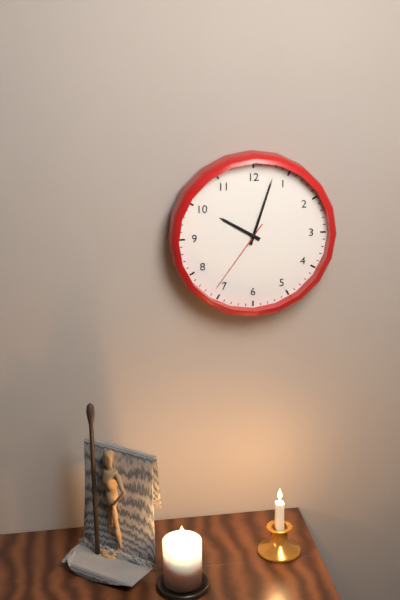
10,03,36
